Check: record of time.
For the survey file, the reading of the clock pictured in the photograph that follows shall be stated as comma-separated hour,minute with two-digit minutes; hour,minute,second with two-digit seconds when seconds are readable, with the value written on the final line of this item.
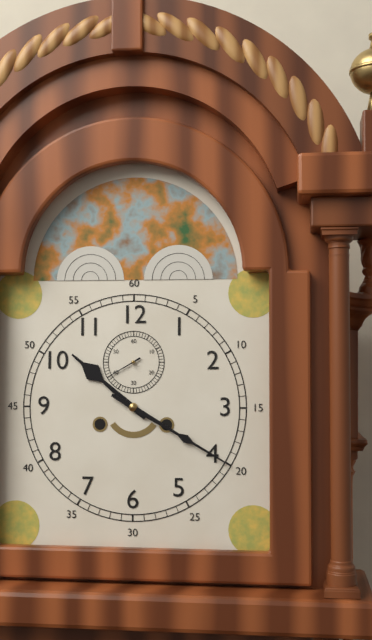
10,20
